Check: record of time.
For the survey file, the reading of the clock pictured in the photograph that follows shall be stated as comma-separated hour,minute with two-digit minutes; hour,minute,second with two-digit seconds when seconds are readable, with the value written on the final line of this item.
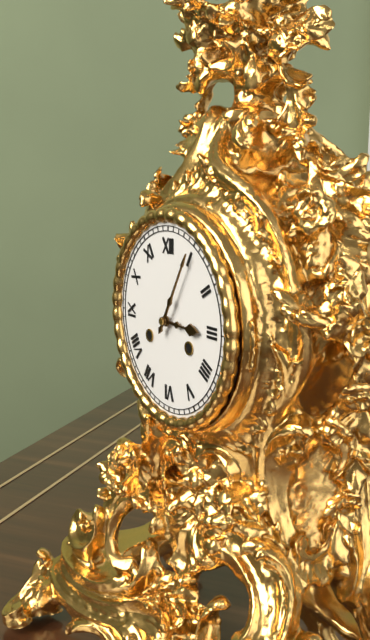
3,05
